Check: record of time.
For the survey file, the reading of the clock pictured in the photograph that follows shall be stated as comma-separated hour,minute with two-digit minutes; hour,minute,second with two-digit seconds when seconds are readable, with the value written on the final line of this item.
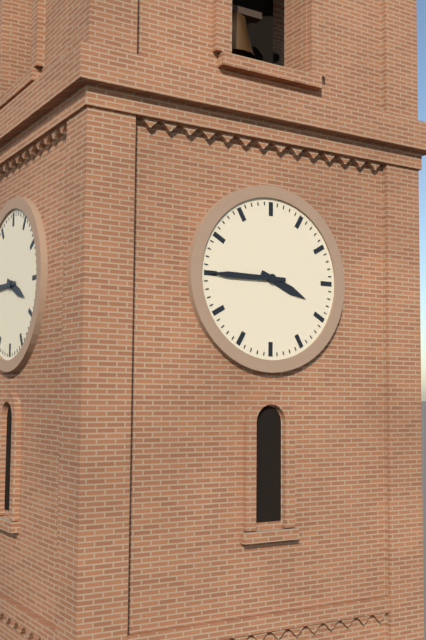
3,45
